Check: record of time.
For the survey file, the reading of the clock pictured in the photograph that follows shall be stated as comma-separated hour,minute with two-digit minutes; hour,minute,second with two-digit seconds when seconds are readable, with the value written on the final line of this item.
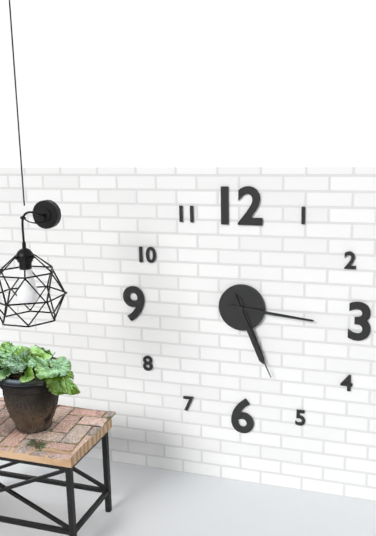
5,16,26
